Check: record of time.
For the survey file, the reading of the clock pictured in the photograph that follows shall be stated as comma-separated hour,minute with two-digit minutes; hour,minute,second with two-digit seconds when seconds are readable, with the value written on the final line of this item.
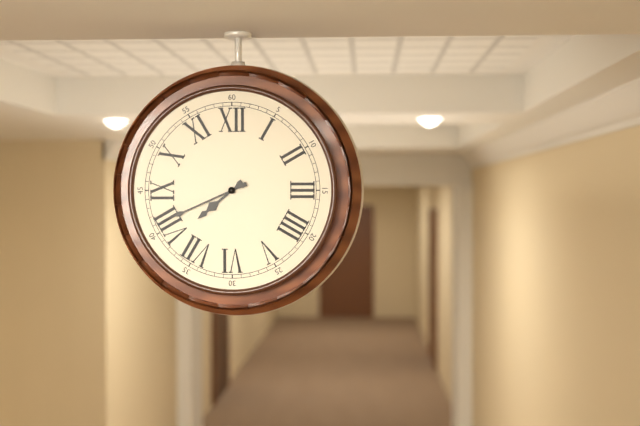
7,41
